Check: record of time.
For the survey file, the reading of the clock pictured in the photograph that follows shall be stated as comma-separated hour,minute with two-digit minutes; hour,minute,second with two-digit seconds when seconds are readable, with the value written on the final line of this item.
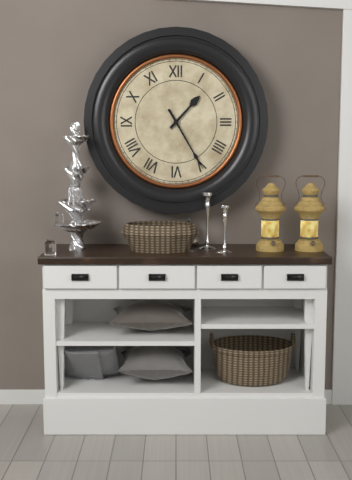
1,25
